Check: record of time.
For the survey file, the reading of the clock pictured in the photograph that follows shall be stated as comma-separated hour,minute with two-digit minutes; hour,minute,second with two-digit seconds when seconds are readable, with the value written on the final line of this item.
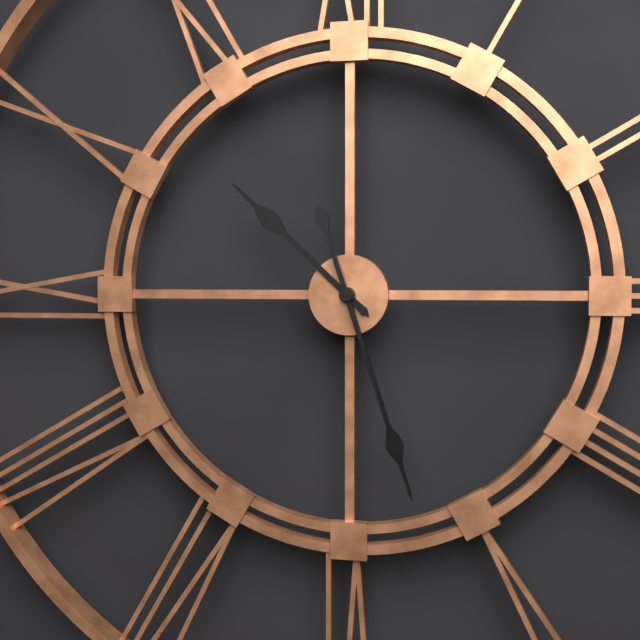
10,27
